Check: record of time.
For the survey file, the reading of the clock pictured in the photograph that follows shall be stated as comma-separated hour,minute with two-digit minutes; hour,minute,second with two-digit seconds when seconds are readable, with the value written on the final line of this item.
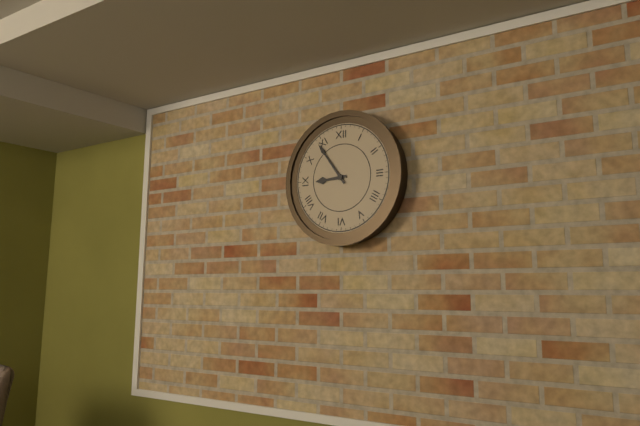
8,54
